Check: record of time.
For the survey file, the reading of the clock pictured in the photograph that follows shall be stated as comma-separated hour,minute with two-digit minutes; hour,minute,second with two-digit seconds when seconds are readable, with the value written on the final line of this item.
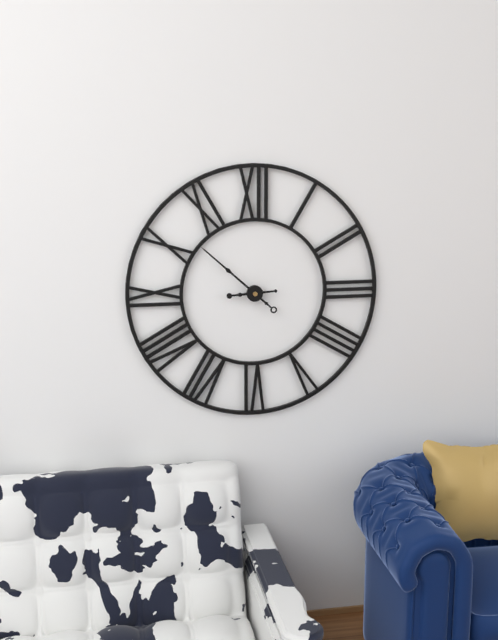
8,52
